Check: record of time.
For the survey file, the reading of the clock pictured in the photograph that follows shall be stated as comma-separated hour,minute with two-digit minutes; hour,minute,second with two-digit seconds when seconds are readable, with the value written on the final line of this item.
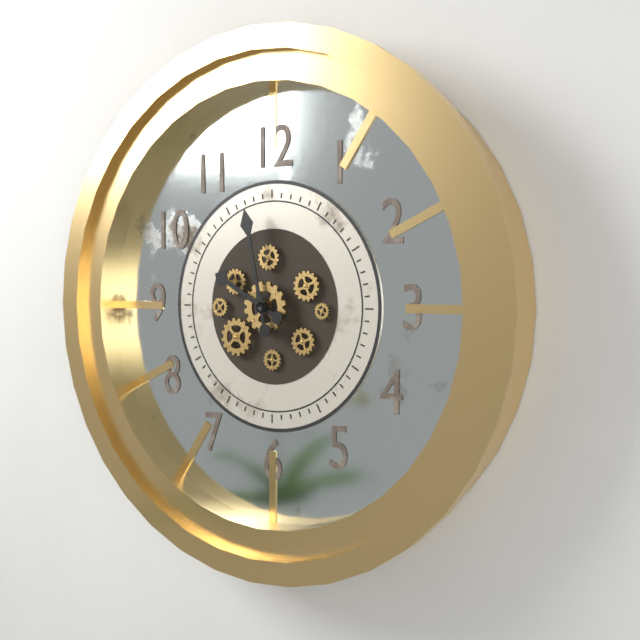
9,58
